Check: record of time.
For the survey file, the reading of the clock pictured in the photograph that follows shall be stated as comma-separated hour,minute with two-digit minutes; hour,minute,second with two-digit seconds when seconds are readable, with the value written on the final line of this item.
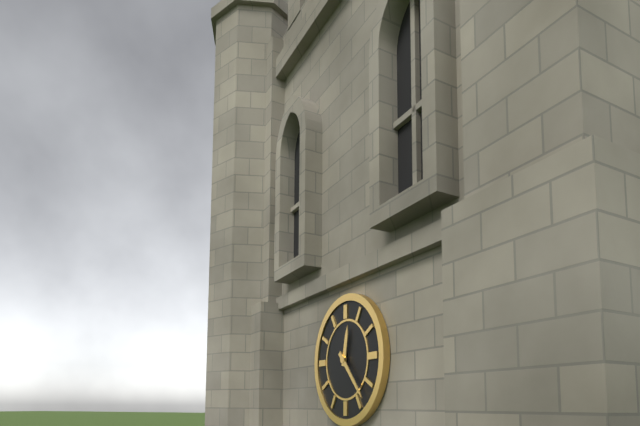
12,23
